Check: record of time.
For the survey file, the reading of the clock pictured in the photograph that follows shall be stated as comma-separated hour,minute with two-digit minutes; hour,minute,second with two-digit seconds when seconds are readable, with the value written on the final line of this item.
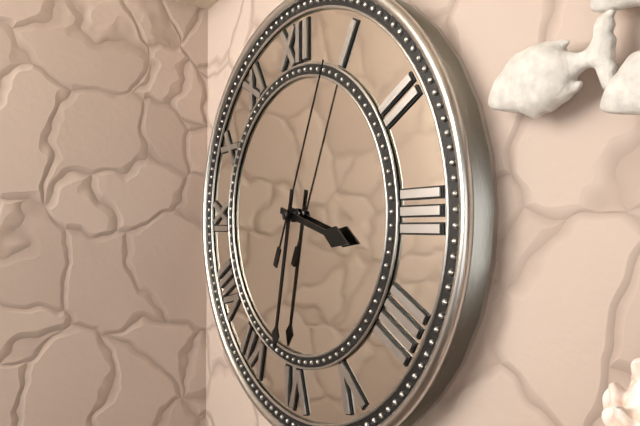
3,32,04
